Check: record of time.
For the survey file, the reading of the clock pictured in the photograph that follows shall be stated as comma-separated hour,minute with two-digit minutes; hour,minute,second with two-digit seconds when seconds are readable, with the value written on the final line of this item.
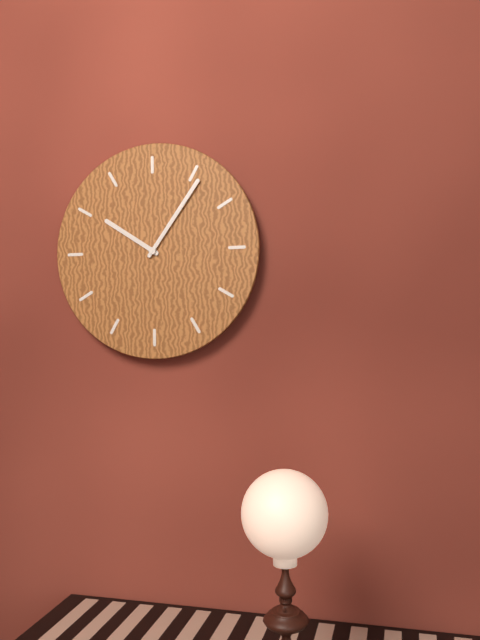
10,06
